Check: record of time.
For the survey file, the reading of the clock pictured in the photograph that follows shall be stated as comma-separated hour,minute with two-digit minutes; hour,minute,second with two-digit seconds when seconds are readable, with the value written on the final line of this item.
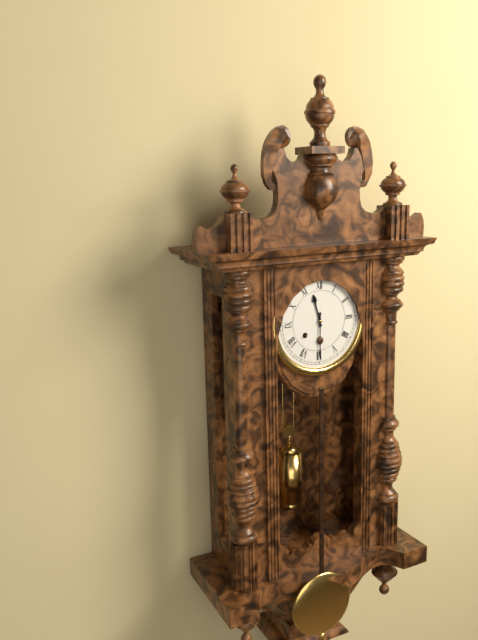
11,30
